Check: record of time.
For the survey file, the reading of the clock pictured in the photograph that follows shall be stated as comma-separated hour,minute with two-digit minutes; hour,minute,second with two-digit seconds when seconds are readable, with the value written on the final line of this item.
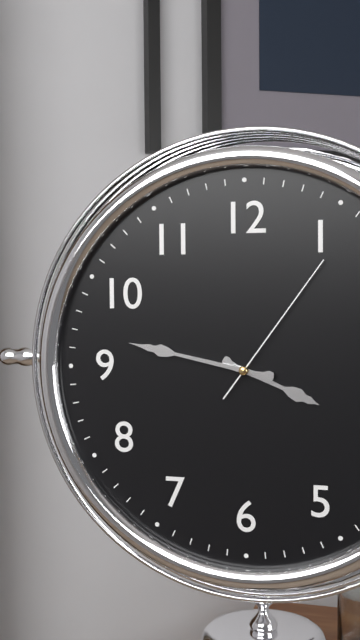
3,47,06
